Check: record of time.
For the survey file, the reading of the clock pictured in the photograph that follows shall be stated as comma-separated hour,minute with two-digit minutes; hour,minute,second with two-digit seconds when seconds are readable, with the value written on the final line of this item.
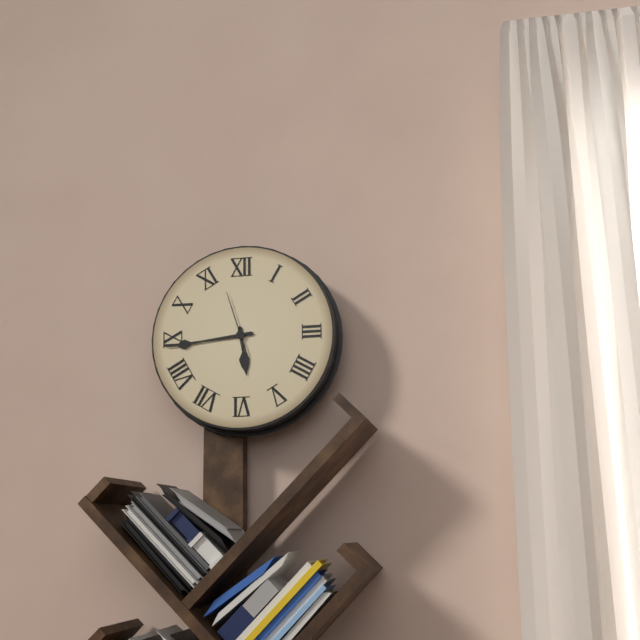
5,44,57
